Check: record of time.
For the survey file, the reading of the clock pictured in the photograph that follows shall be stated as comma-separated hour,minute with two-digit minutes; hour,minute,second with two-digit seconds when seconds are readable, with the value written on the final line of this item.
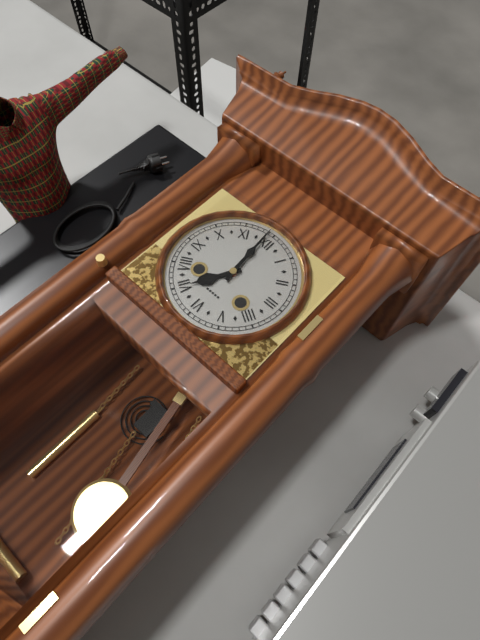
6,59
